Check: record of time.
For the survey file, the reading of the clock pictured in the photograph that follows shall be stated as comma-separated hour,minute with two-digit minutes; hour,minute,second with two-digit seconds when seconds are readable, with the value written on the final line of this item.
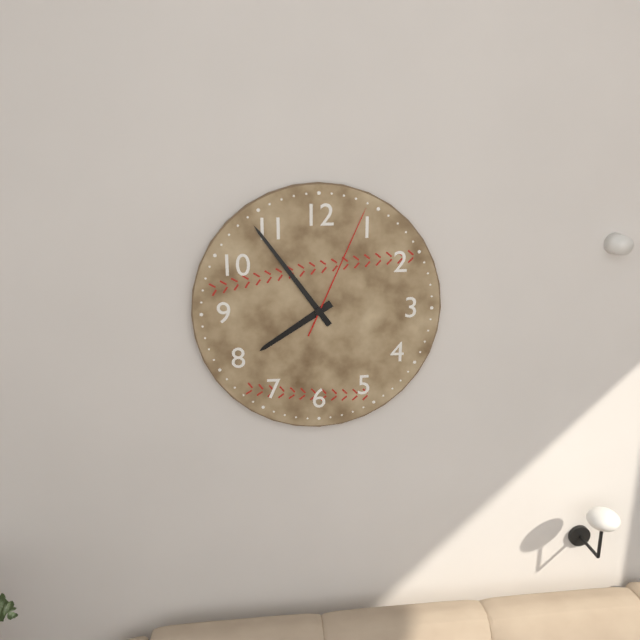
7,54,04
